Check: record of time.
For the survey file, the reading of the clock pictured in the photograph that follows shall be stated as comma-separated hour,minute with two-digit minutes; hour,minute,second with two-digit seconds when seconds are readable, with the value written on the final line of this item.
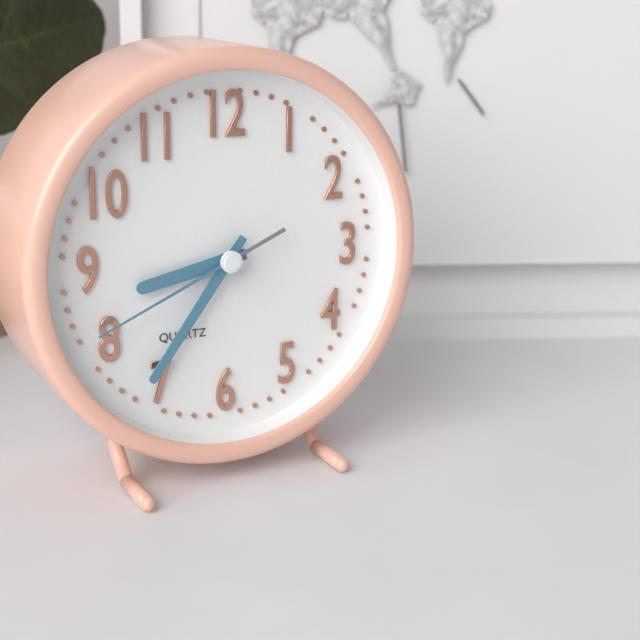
8,36,41
